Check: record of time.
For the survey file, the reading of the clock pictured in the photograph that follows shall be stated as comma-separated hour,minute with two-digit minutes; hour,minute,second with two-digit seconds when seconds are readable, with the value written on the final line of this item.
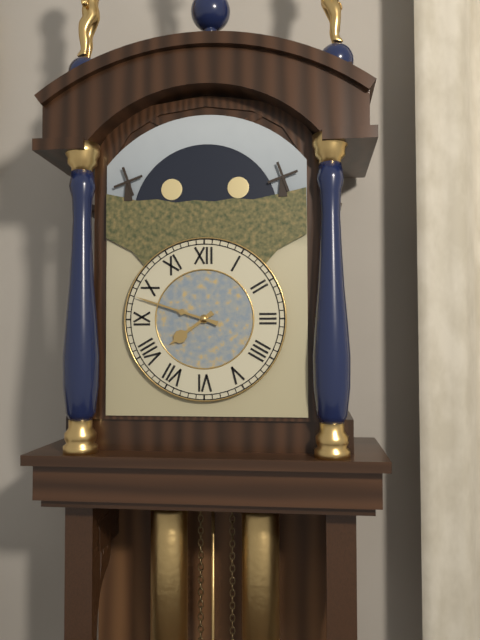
7,48
